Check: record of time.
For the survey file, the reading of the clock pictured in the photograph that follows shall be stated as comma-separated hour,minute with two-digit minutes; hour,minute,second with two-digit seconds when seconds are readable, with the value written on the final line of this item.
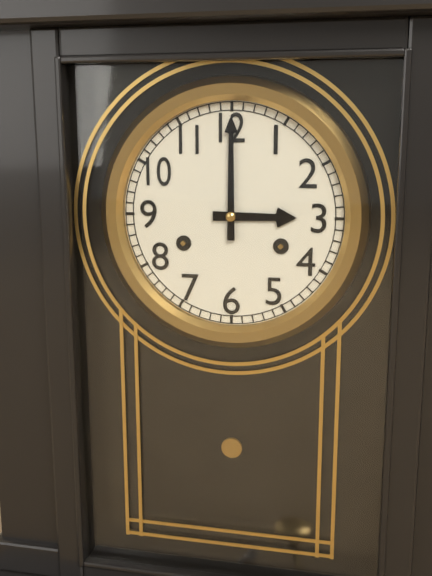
3,00
